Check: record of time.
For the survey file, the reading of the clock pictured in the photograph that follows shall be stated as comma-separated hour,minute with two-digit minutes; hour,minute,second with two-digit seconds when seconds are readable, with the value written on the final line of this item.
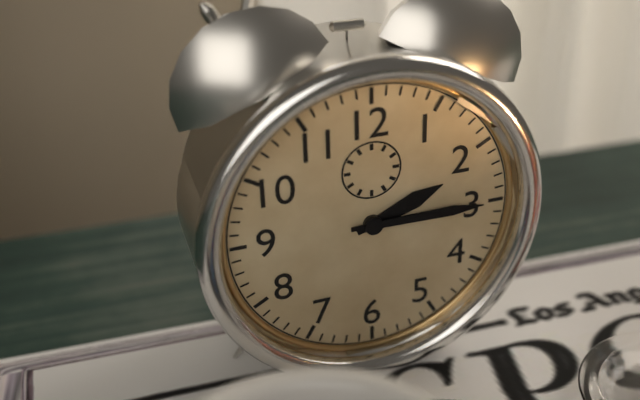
2,15
